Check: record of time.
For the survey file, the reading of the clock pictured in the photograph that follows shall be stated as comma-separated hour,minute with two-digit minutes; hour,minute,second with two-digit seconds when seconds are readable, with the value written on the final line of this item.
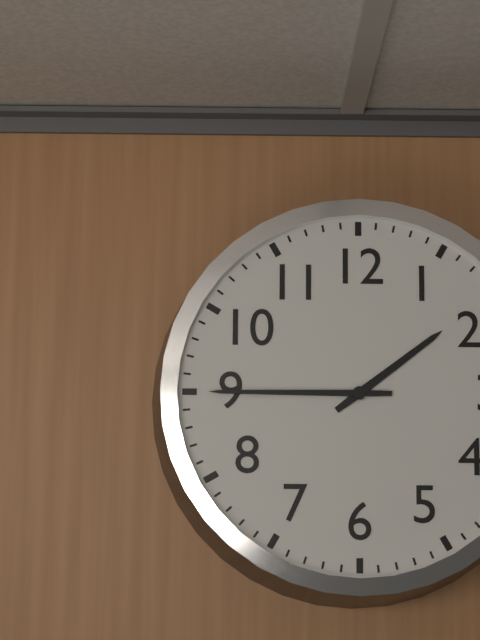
1,45
